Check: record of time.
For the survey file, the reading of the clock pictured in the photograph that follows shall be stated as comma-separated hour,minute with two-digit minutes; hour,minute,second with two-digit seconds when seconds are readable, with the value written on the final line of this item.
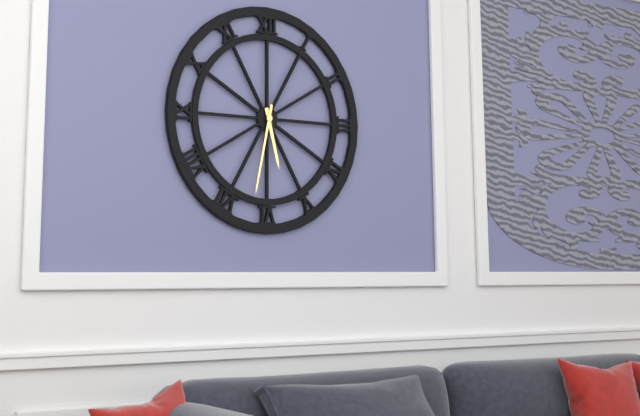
5,32
